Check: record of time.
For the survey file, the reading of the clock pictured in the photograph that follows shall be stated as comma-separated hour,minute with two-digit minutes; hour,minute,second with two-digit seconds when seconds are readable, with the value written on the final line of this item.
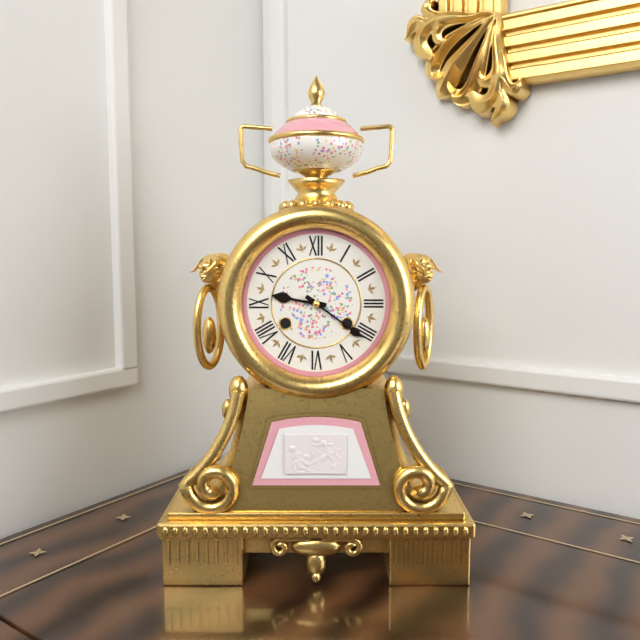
9,21
